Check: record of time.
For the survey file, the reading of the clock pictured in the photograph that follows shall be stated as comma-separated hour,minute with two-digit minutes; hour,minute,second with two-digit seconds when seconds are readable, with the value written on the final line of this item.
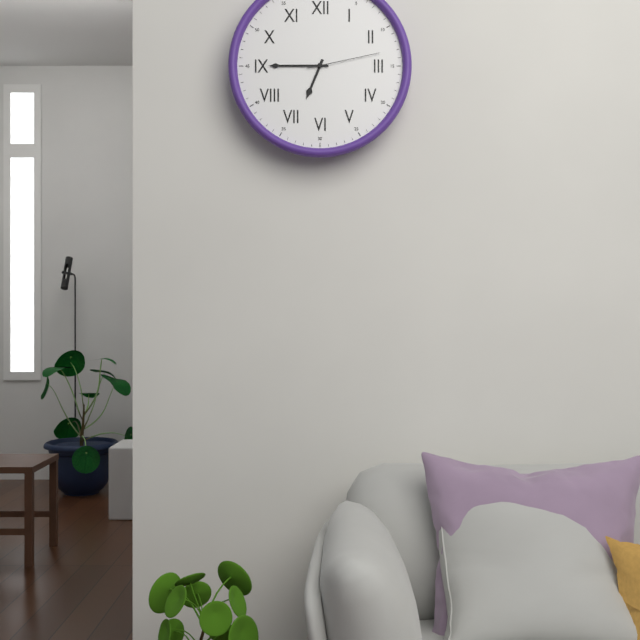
6,45,13
